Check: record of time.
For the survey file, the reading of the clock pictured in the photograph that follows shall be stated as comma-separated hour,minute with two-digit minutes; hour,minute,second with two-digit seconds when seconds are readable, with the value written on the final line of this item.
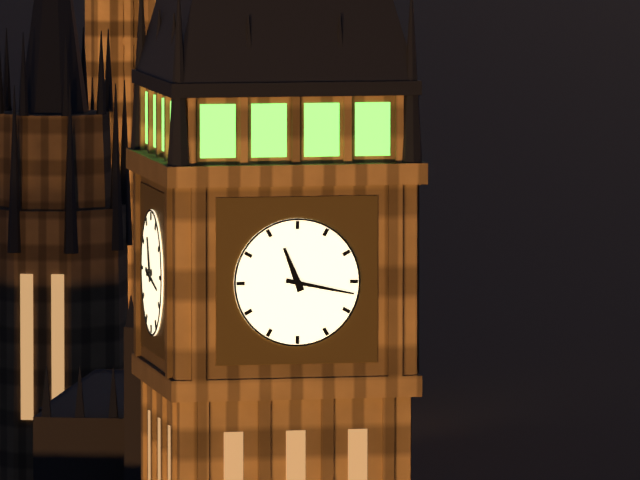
11,17
